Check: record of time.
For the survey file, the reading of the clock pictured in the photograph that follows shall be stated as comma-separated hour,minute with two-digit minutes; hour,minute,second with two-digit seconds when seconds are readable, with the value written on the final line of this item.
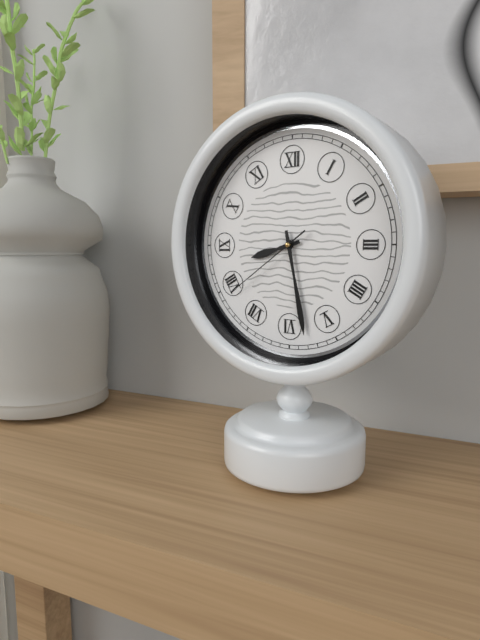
8,28,39
